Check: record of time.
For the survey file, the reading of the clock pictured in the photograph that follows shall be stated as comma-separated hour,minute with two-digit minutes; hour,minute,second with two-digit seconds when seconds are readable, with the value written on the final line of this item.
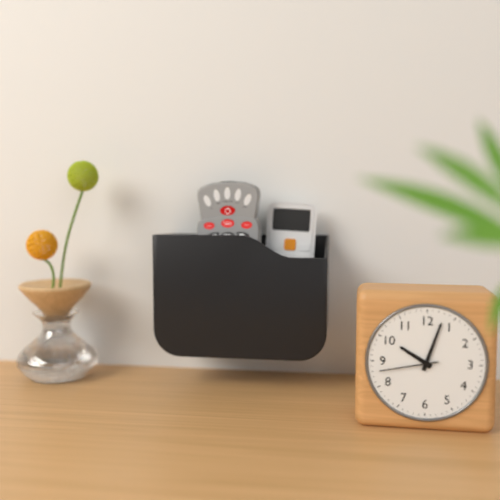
10,03,43
